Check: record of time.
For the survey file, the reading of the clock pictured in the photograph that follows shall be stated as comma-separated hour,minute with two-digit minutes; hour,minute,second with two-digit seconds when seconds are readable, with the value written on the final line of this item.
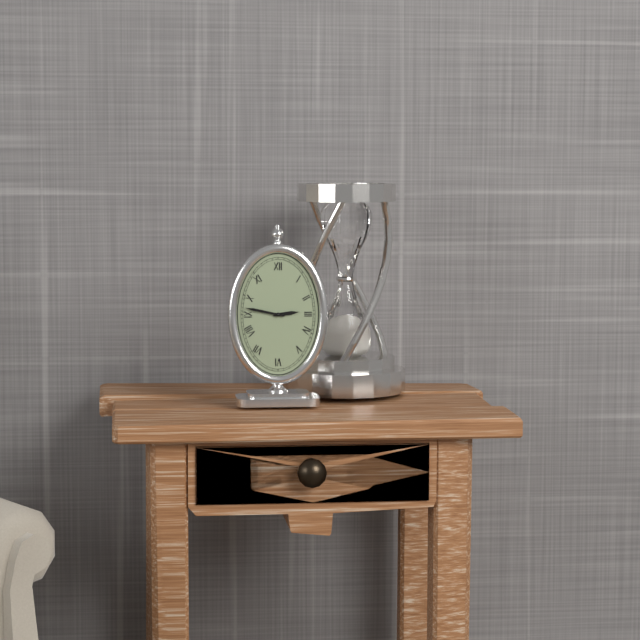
2,47
